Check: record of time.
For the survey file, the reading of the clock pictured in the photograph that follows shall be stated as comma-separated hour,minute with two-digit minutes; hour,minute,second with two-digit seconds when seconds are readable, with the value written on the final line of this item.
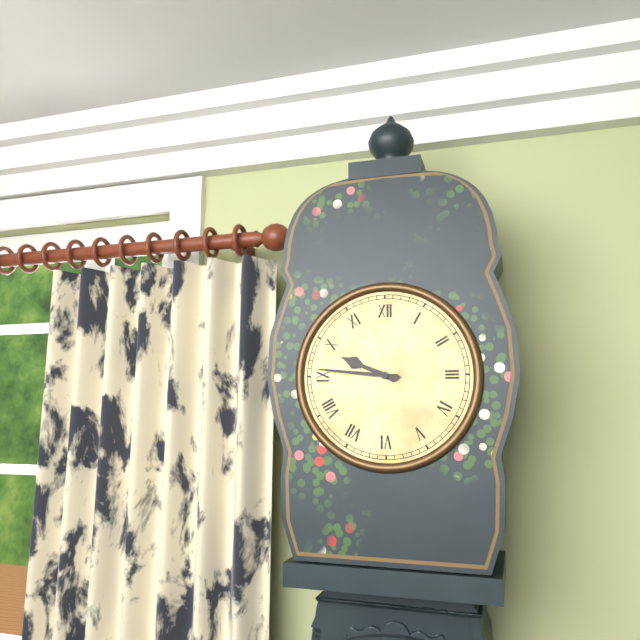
9,46
